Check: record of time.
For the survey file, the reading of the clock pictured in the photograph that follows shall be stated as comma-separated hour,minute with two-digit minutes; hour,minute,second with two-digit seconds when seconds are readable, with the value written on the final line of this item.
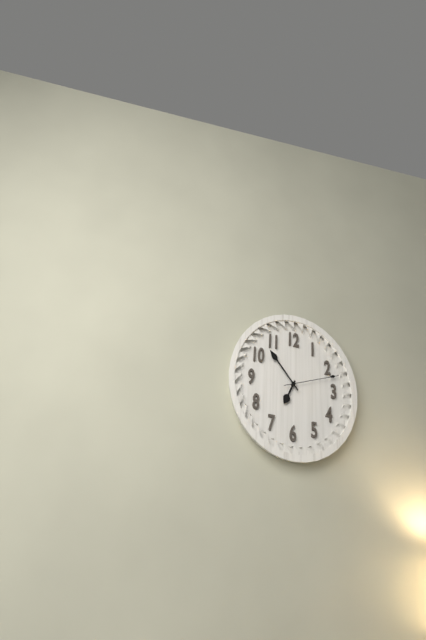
6,53,12
